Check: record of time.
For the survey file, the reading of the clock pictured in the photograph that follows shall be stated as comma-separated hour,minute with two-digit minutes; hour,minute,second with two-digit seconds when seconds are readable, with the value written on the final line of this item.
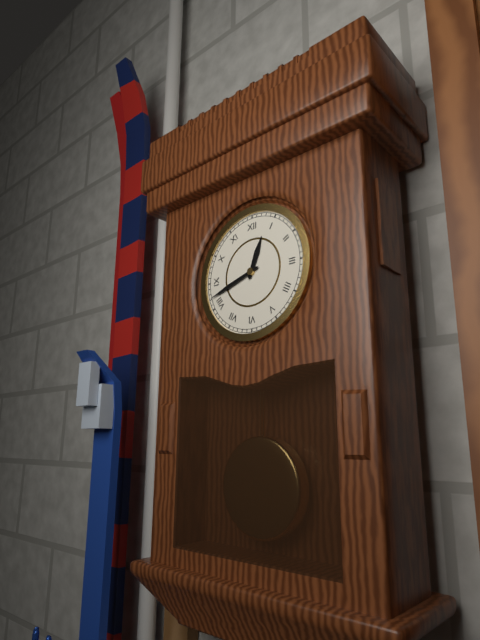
12,42
